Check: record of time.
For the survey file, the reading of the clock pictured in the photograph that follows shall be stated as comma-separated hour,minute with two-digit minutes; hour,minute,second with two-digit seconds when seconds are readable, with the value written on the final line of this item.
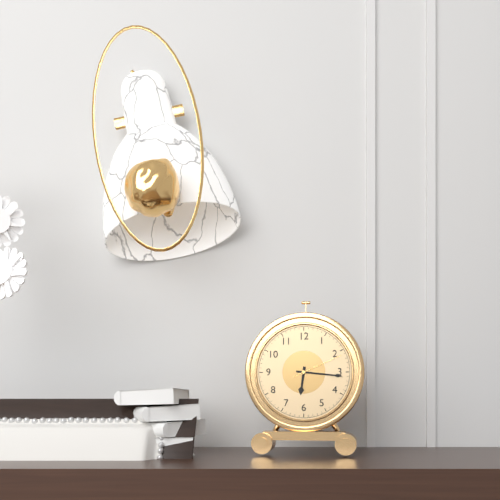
6,16,11
